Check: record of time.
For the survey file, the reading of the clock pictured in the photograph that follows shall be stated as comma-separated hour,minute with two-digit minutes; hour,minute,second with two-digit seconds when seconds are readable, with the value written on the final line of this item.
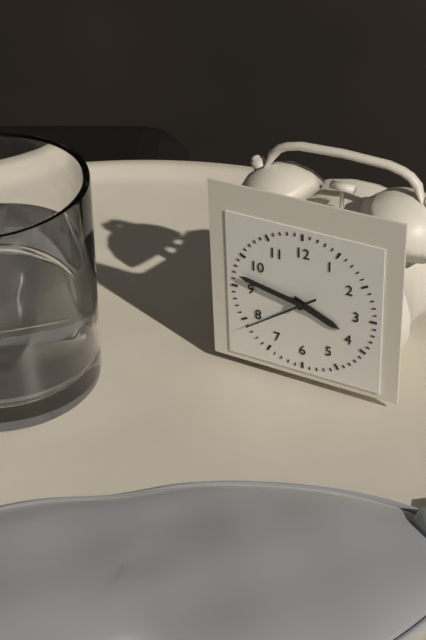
3,47,39
